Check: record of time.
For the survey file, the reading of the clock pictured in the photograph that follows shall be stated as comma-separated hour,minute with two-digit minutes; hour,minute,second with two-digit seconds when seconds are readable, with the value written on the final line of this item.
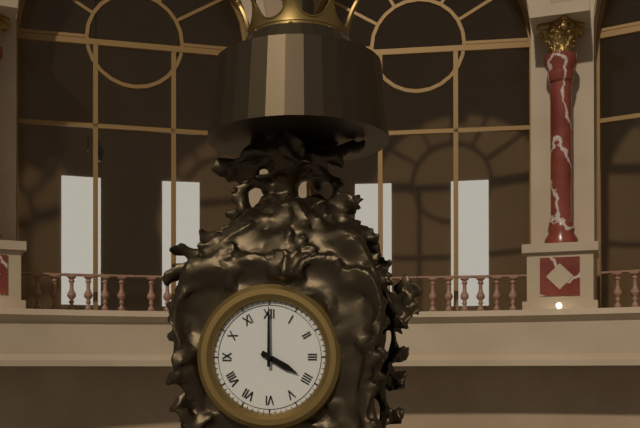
4,00
